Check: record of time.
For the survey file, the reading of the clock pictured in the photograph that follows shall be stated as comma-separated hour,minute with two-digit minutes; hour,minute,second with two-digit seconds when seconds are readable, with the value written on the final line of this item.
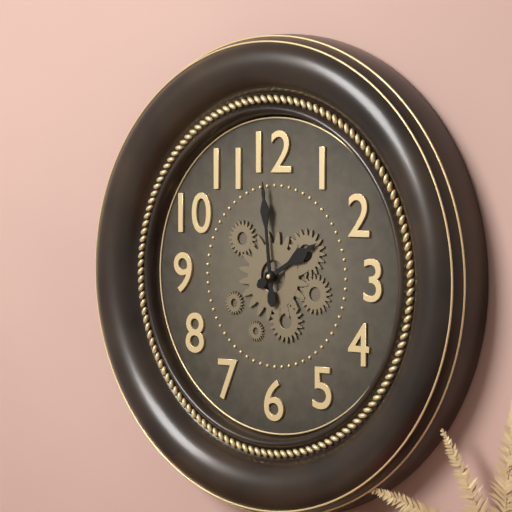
1,59
